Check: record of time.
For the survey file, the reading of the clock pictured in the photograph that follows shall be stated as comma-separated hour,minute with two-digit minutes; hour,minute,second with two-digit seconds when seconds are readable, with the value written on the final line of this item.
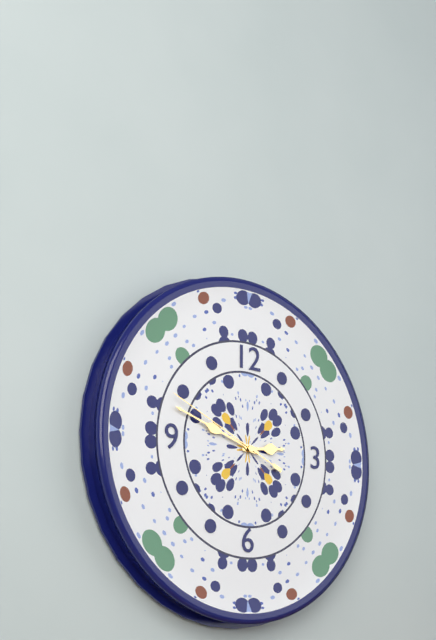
2,48,49
